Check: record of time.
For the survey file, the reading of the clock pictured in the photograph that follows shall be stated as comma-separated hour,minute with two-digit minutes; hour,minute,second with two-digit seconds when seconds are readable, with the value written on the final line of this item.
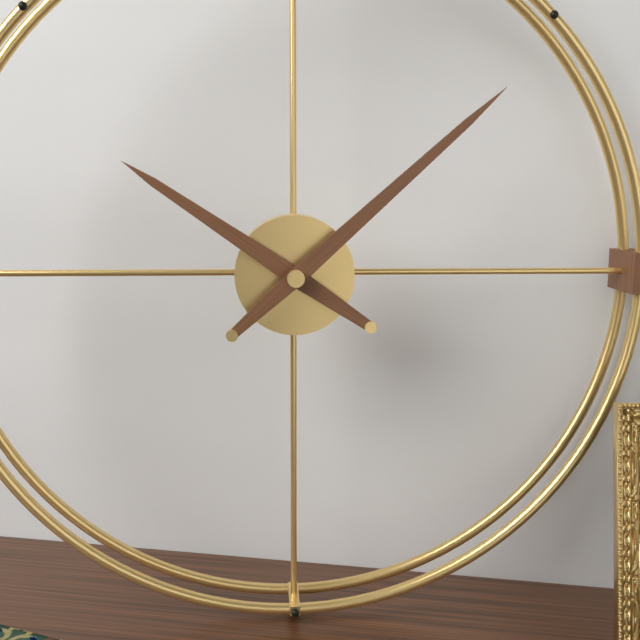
10,08
